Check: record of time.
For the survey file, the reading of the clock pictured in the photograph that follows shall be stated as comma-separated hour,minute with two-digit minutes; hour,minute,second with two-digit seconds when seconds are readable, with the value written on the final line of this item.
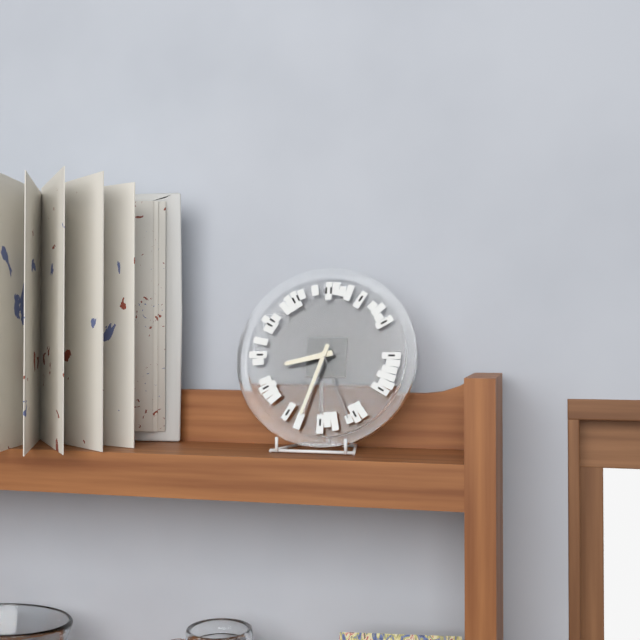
8,33,26
